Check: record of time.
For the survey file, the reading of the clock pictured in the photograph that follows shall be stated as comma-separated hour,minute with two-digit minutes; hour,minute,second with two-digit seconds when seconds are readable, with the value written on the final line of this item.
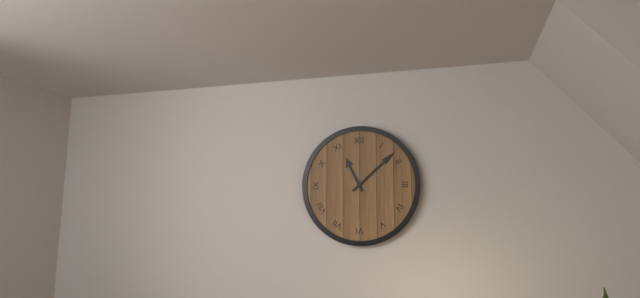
11,08
